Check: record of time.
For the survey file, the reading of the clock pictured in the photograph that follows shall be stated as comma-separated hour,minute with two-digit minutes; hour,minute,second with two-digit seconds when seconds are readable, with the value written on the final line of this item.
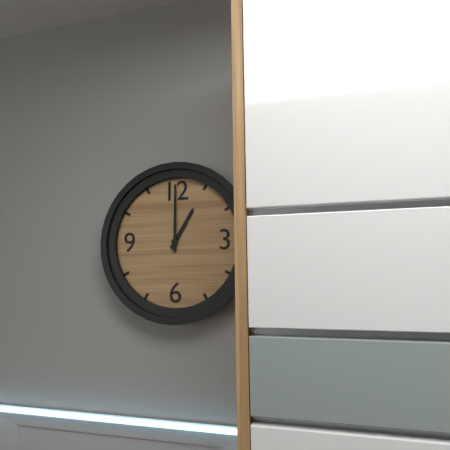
1,00
